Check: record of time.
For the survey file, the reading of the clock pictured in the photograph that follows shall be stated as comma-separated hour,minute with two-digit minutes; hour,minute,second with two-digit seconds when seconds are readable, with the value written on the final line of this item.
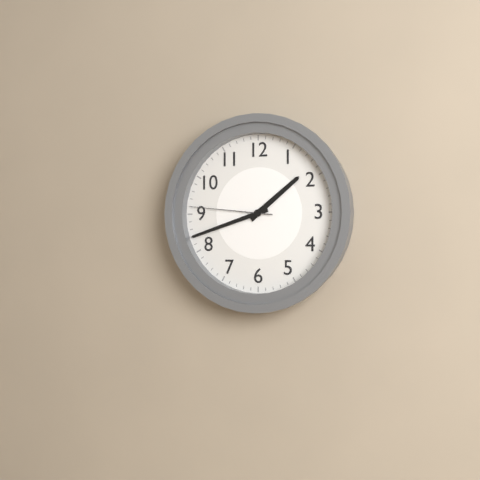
1,42,46
